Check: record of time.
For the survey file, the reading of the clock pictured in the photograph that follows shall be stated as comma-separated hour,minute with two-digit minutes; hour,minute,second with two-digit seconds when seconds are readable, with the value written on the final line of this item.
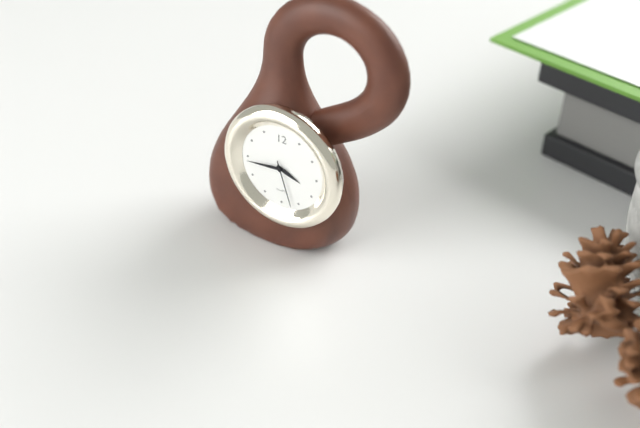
3,44
